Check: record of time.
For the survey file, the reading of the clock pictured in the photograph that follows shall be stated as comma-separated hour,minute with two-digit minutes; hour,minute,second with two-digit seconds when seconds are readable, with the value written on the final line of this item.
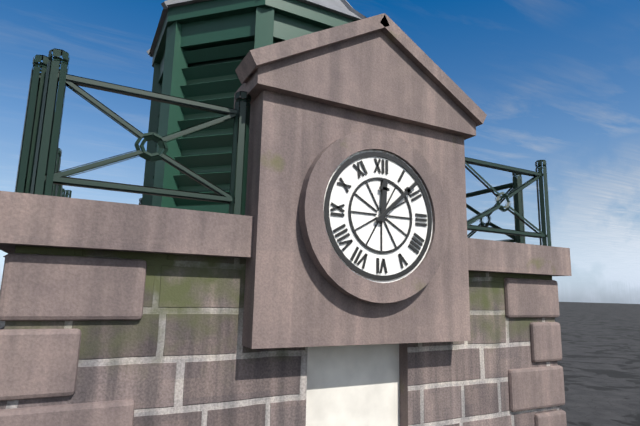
12,08
